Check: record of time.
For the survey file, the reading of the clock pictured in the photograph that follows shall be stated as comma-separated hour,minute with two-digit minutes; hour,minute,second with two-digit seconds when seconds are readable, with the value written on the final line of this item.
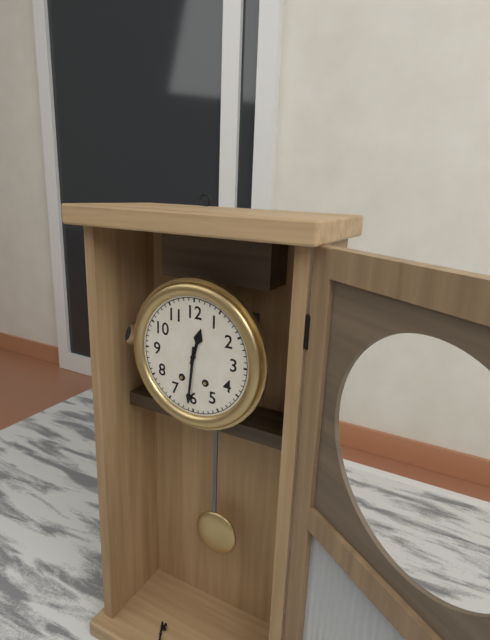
12,31
